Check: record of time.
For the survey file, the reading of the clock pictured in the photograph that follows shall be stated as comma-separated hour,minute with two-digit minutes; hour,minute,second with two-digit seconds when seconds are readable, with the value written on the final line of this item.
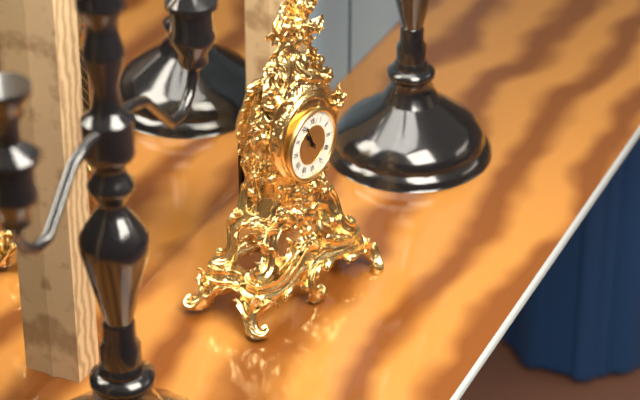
10,56
